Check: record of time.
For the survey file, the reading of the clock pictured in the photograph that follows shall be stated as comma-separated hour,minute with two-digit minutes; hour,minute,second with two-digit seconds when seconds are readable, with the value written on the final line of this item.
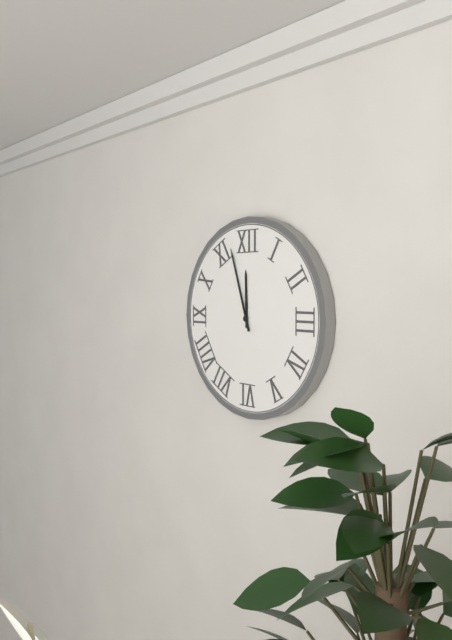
11,57
